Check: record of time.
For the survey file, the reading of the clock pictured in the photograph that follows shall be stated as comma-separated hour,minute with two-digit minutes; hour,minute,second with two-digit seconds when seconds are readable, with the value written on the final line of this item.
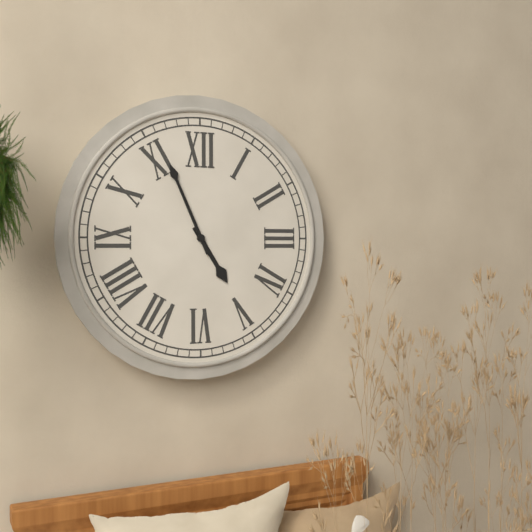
4,56
